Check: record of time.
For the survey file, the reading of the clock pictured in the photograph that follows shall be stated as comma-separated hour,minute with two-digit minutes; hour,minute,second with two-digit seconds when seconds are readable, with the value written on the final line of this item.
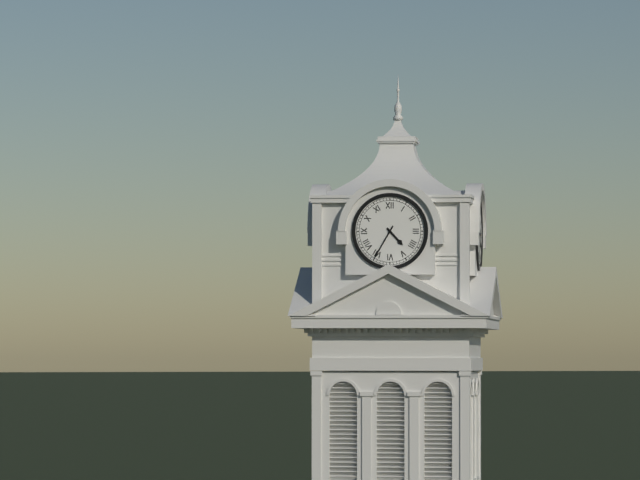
4,35
